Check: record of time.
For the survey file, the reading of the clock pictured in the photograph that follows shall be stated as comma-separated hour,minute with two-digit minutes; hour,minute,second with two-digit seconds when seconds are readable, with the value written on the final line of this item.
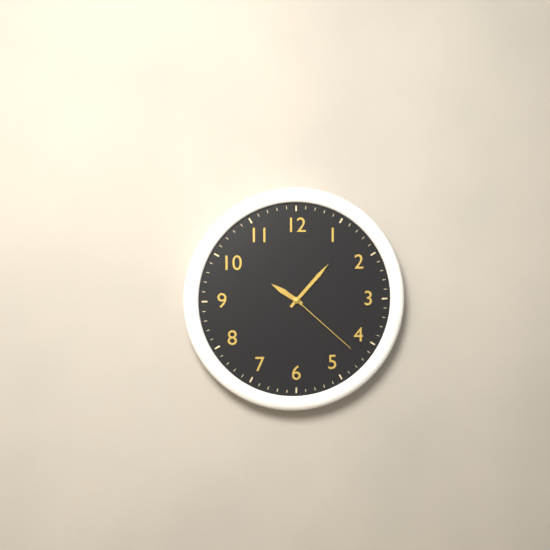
10,07,22
